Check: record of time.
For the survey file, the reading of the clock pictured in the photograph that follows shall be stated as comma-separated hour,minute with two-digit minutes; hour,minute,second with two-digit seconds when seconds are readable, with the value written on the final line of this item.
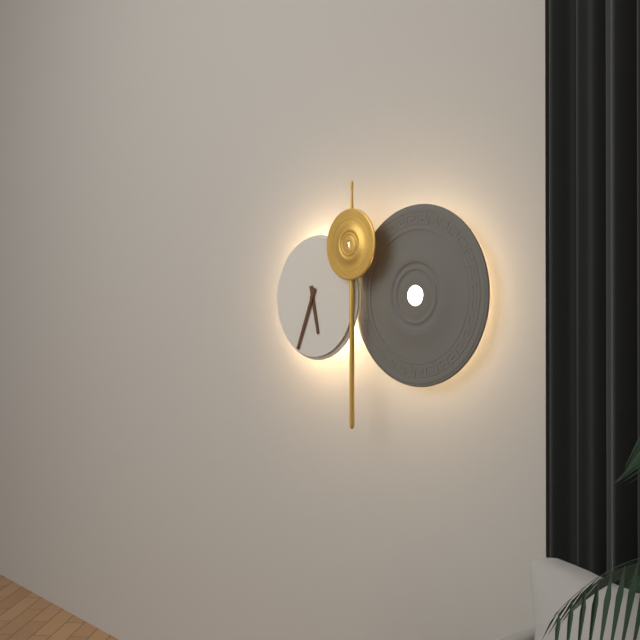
5,34
